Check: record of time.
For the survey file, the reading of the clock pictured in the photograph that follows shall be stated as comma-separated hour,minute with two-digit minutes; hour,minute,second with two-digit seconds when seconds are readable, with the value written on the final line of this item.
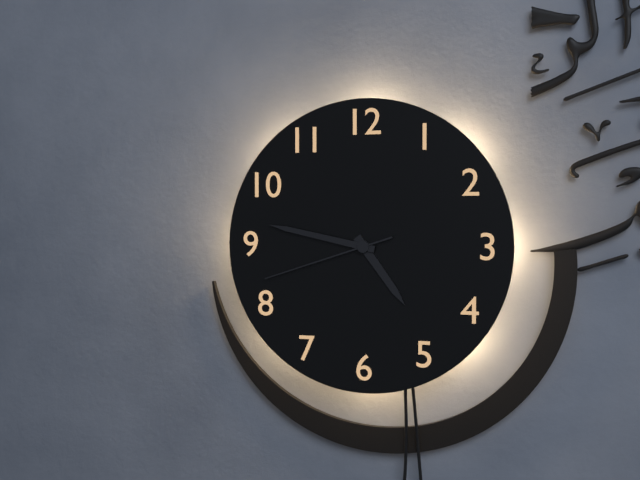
4,47,42
